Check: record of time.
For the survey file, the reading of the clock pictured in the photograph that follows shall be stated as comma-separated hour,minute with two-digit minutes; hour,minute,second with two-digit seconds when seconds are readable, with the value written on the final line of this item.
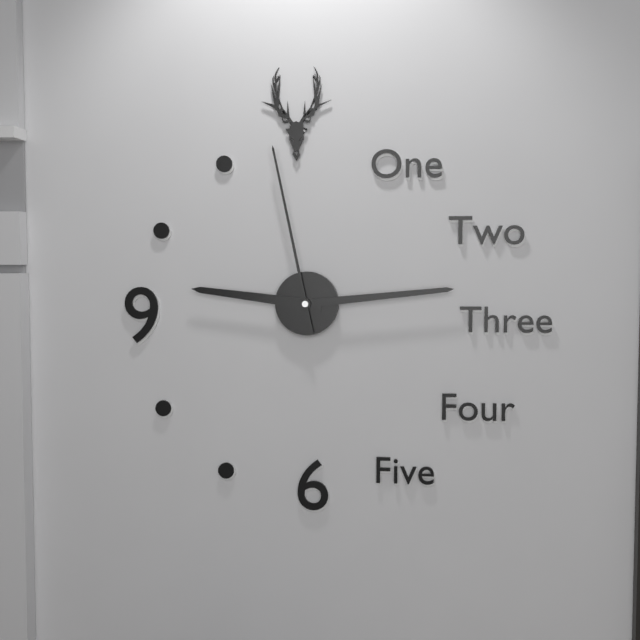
9,14,58
